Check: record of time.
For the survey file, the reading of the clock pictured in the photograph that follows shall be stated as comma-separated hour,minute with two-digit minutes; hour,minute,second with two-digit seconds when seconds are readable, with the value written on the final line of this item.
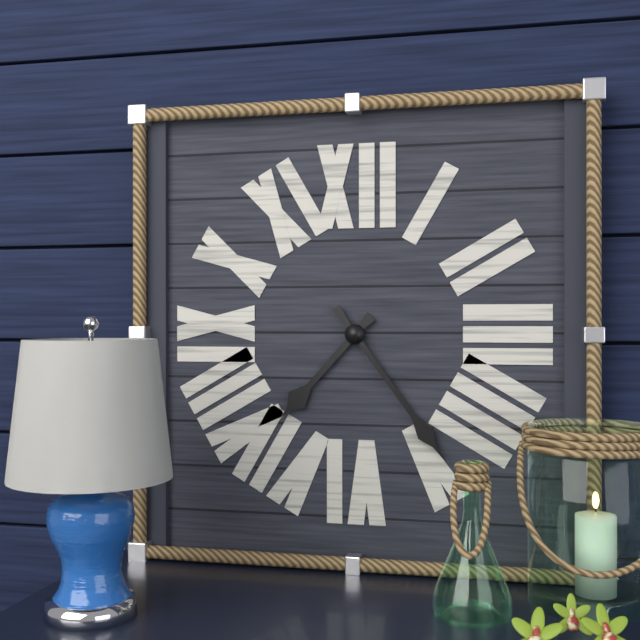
7,24
